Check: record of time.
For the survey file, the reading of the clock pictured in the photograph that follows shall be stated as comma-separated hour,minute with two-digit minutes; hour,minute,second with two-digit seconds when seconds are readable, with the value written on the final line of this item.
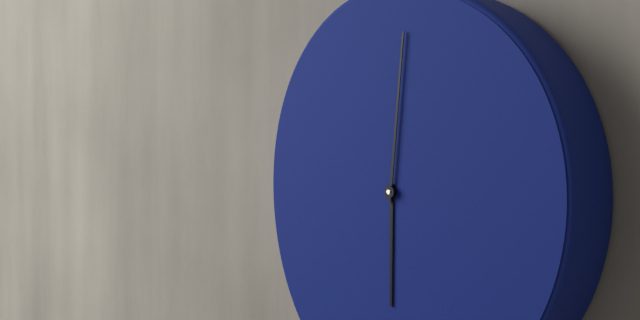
6,01
